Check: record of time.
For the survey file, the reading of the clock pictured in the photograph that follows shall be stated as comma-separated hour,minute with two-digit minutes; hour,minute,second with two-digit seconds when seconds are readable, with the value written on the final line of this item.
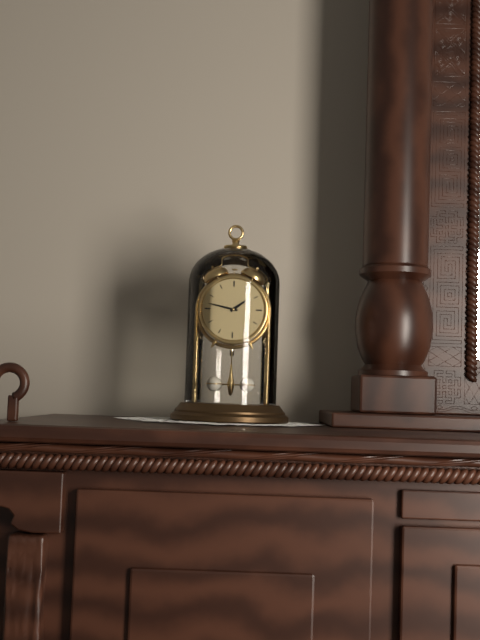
1,47
